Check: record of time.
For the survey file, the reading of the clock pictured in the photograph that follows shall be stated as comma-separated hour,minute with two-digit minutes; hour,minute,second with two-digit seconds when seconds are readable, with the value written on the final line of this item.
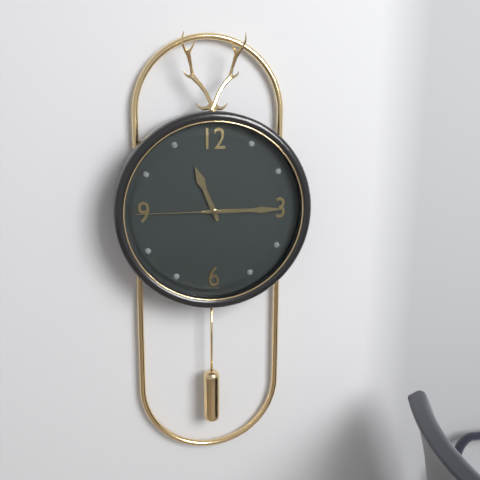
11,15,45
